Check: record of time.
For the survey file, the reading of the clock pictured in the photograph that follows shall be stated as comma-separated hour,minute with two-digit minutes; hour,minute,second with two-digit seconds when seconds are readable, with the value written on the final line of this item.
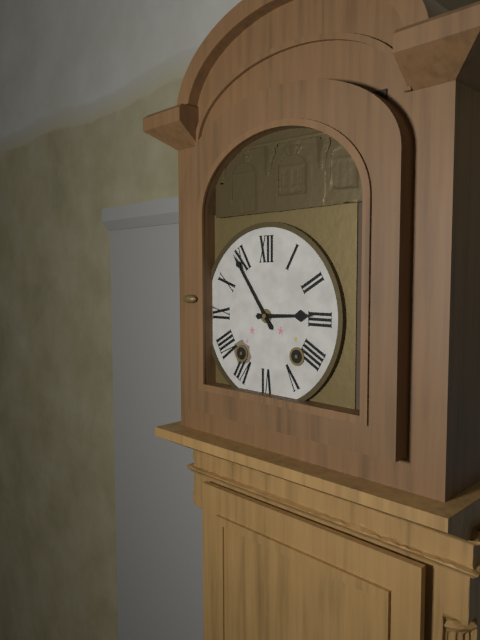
2,54
